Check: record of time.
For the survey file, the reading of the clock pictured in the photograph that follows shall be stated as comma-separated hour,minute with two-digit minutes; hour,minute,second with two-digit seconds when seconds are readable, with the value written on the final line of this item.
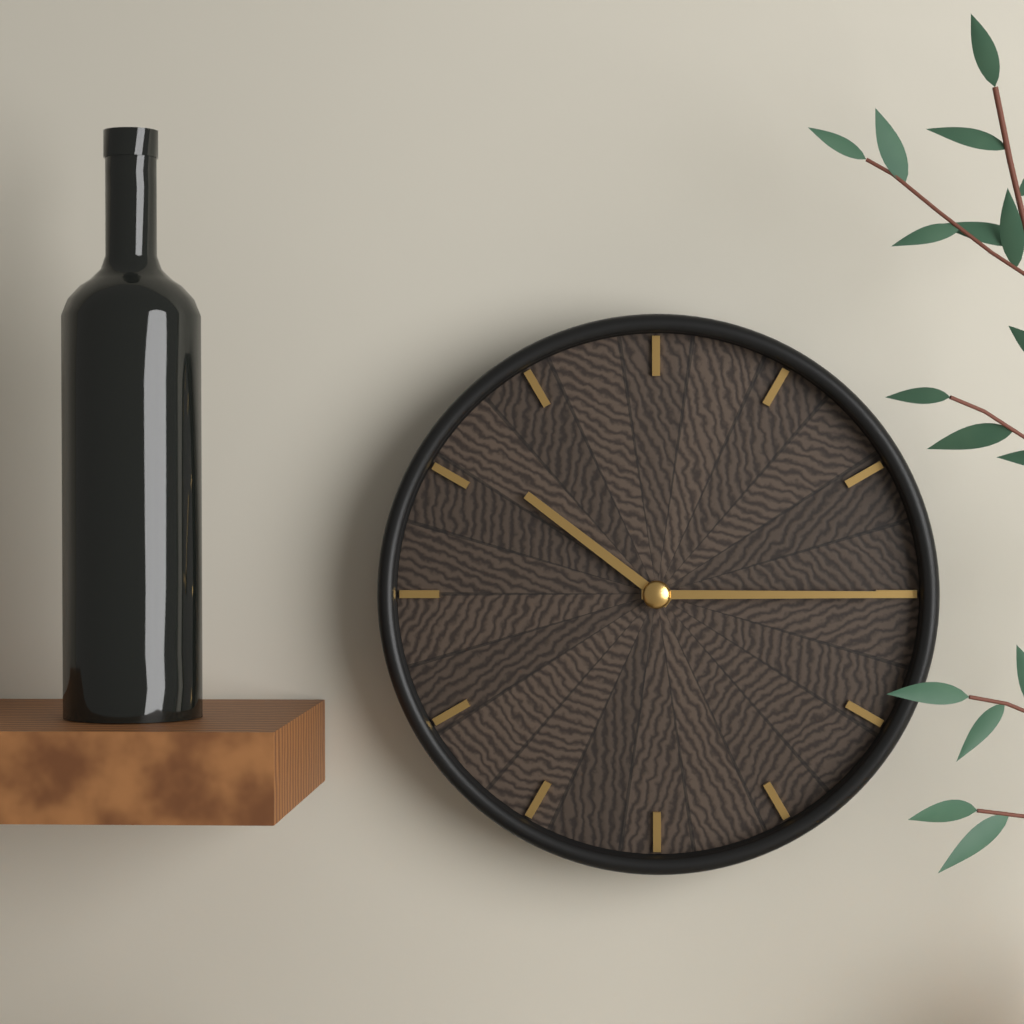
10,15
